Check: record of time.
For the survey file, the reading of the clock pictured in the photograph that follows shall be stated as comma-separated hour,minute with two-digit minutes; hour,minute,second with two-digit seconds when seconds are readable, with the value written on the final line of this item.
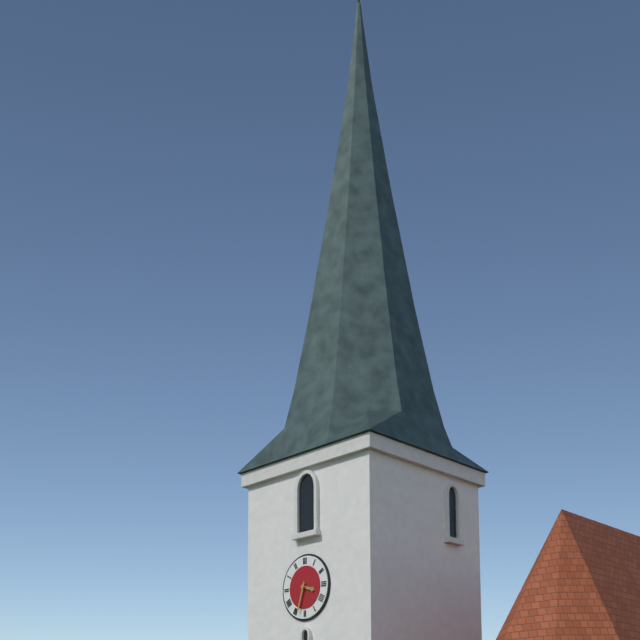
3,33
